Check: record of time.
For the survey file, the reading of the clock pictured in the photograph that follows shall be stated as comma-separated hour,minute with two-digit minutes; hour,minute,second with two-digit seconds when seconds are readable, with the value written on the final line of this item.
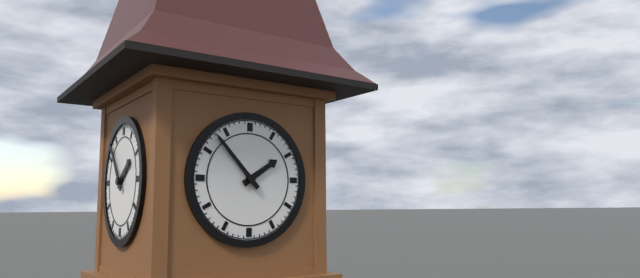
1,53
